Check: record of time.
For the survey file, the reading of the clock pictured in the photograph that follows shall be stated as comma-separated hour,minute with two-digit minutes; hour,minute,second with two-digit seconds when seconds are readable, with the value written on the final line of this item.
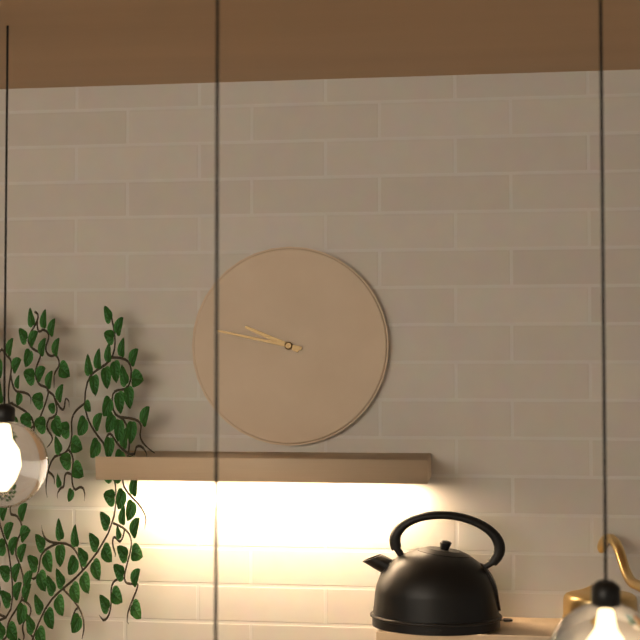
9,47
